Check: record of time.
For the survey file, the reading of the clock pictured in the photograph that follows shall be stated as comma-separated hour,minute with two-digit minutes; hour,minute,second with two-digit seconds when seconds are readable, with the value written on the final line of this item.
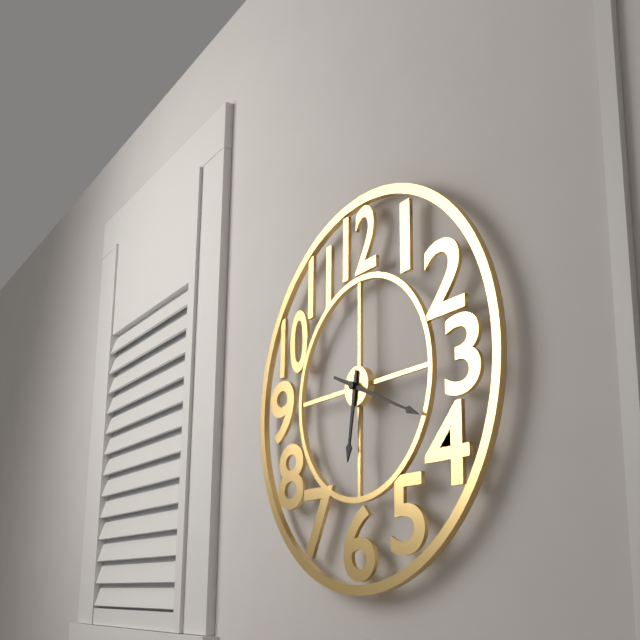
6,19
